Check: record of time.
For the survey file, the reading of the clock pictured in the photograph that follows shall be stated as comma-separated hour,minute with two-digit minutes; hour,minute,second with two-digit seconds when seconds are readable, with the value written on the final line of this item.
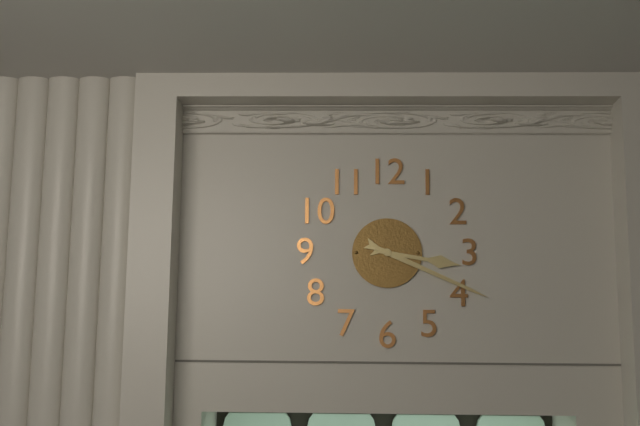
3,19
